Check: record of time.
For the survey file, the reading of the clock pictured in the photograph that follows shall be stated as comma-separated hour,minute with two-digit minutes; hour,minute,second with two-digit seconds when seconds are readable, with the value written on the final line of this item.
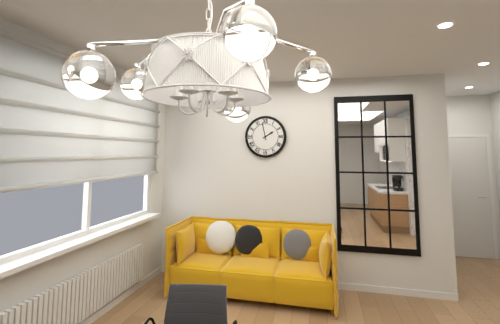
1,58
